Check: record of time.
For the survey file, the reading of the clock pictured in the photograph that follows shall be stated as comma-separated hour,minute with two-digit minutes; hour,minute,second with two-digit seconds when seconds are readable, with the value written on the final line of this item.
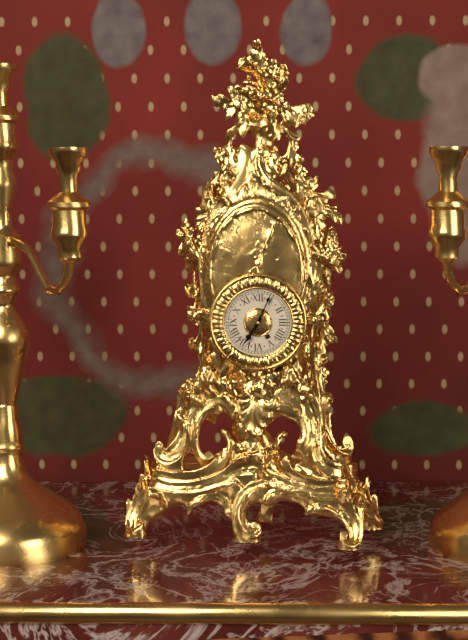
7,04
